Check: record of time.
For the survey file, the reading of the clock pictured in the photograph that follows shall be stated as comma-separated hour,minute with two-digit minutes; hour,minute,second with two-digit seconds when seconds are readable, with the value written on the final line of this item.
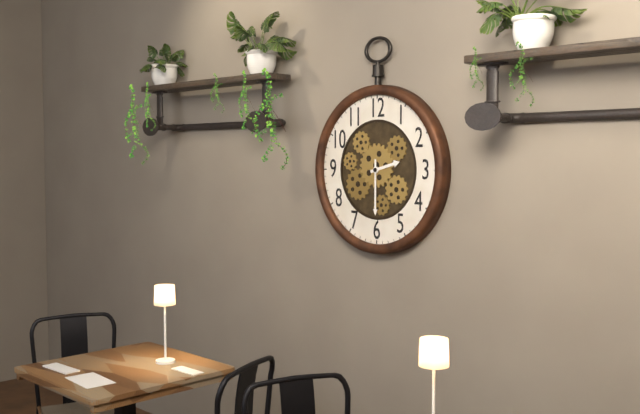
2,30
